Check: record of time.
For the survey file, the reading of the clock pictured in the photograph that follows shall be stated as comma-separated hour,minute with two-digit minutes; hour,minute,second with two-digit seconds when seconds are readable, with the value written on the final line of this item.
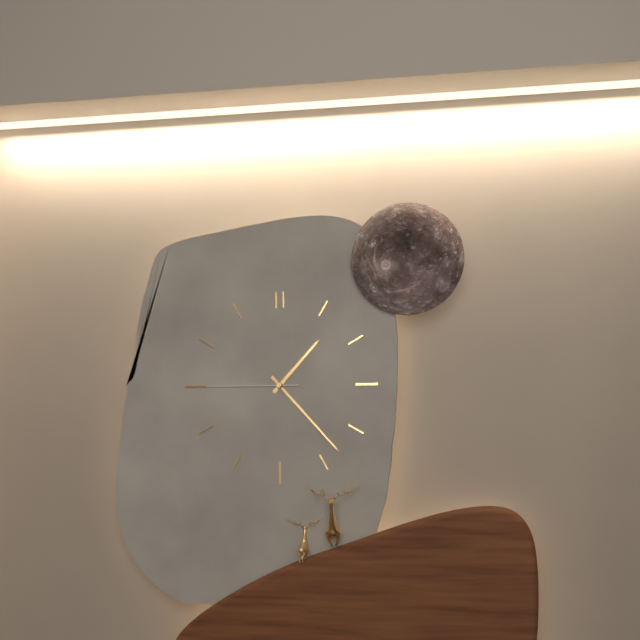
1,23,45
